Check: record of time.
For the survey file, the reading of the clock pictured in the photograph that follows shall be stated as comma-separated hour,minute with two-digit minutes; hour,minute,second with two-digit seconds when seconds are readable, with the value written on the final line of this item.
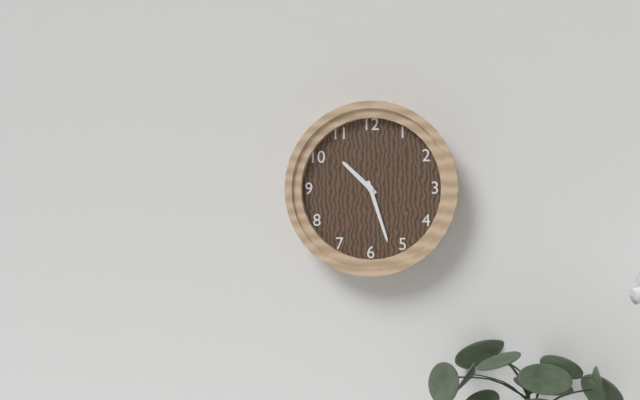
10,27
